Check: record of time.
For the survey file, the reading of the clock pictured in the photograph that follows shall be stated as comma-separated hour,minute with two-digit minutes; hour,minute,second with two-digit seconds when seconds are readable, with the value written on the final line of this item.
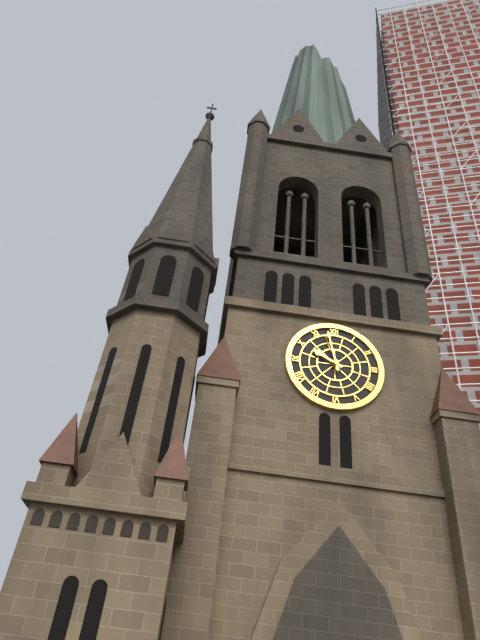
9,58
